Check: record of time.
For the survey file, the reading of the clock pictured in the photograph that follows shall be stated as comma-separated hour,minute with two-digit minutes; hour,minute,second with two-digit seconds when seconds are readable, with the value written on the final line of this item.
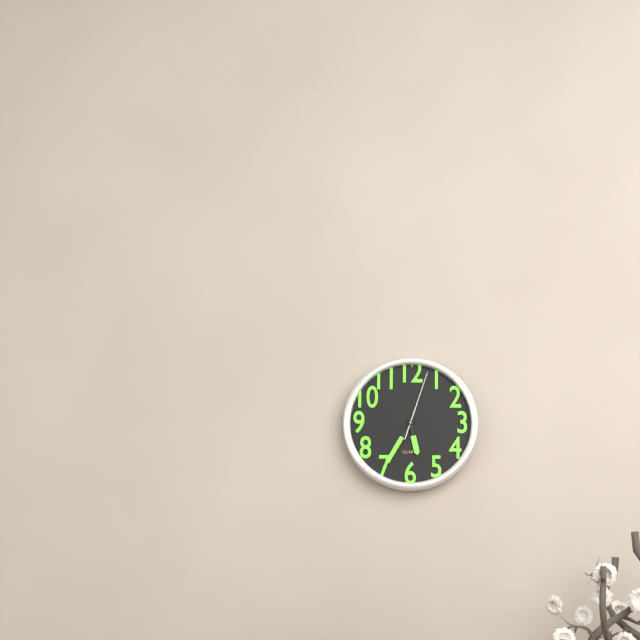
5,35,03
